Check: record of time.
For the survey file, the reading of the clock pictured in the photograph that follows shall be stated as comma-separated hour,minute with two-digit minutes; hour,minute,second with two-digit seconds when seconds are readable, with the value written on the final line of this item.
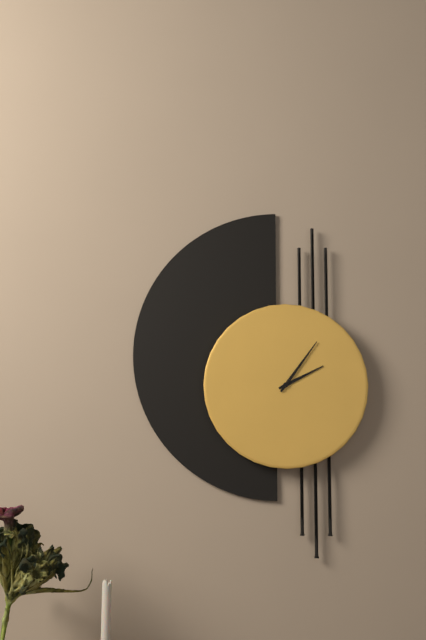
2,06
